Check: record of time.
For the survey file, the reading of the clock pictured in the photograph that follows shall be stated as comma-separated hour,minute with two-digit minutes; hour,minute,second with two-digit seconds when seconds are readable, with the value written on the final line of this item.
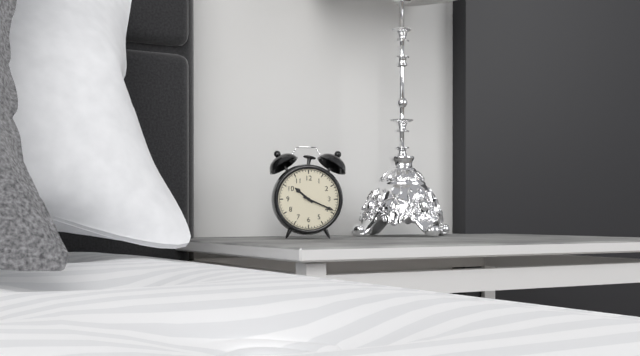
10,19
